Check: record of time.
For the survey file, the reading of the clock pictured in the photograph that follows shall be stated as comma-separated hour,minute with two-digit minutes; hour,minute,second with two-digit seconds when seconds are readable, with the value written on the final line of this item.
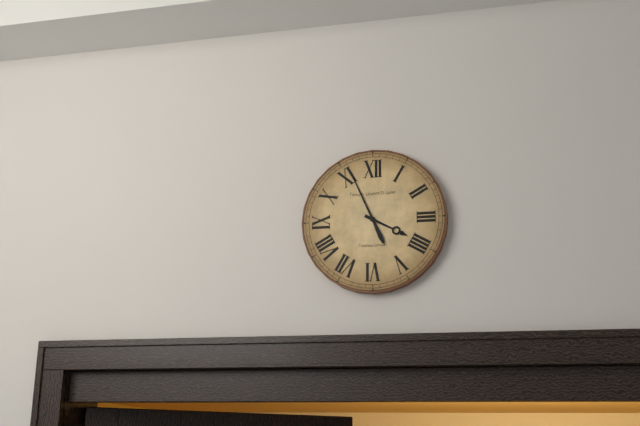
3,56
